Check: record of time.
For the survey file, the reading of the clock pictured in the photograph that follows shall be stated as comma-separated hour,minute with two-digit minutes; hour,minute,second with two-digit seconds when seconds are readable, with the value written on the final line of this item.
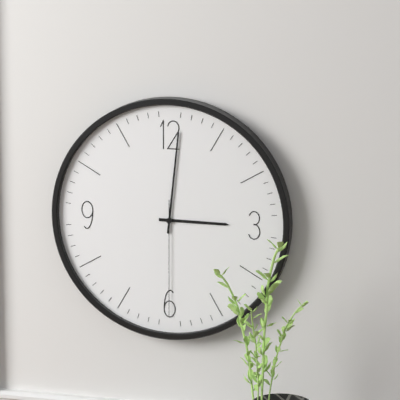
3,01,30
